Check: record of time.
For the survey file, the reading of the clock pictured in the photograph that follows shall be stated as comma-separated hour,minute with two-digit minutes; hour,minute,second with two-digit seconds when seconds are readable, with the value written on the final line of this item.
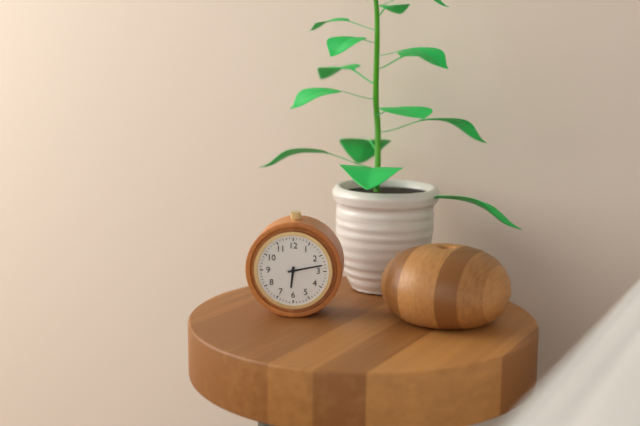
6,13
